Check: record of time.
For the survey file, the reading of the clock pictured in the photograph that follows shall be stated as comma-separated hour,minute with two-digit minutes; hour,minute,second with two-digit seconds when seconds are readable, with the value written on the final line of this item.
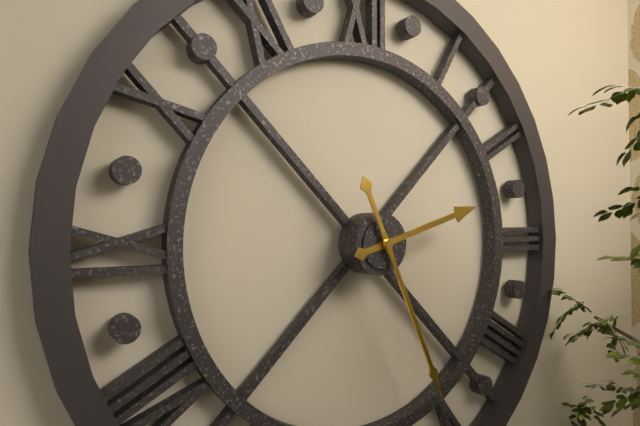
2,26
